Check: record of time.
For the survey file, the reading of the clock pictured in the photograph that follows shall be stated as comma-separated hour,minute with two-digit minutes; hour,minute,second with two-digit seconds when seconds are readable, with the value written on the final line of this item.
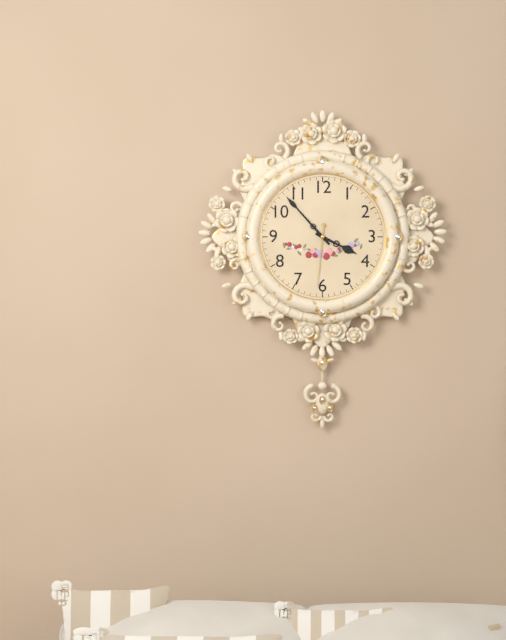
3,53,31
